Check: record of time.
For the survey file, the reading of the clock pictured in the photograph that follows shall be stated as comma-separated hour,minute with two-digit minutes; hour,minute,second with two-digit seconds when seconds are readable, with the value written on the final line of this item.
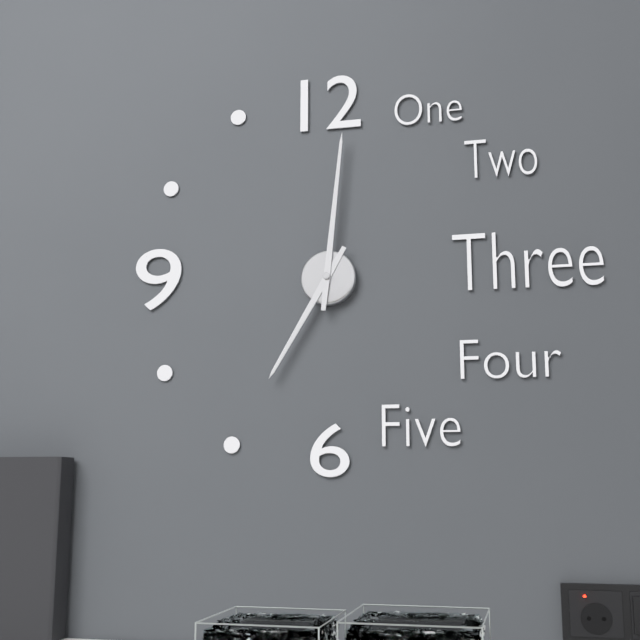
7,01
